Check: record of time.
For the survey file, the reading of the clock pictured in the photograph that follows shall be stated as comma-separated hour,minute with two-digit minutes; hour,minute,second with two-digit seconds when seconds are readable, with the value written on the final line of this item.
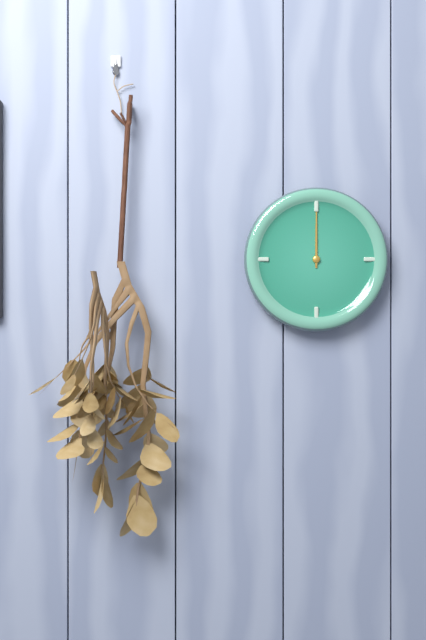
12,00
